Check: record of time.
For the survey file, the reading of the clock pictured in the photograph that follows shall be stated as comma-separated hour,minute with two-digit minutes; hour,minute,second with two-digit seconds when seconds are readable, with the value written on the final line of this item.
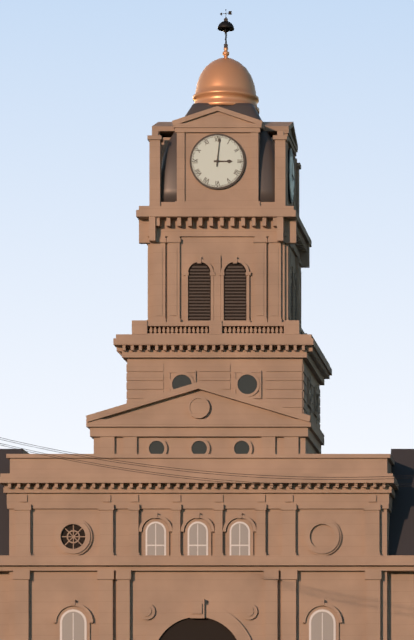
3,01
